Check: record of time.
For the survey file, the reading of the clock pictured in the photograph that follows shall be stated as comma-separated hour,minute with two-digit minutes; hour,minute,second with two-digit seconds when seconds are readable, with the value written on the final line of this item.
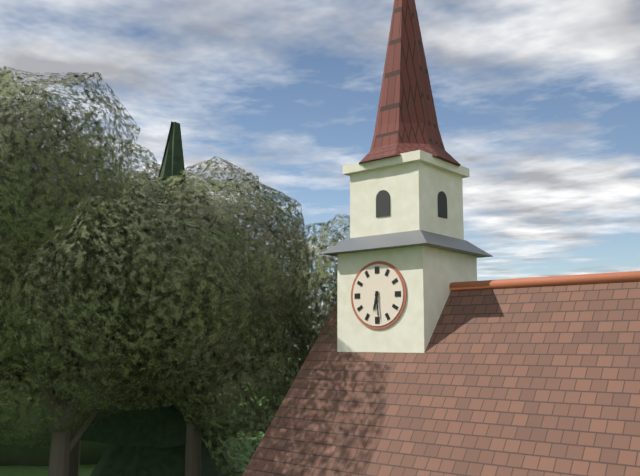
6,29
